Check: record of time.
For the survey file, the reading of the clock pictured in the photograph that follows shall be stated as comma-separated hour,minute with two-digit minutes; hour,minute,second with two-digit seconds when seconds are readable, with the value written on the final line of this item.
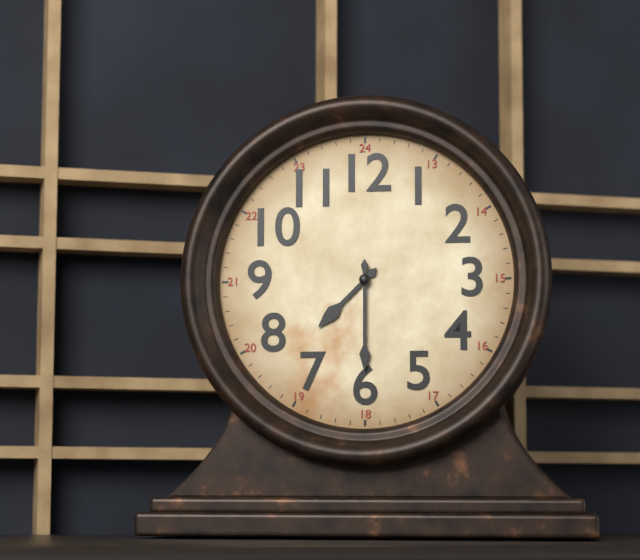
7,30
